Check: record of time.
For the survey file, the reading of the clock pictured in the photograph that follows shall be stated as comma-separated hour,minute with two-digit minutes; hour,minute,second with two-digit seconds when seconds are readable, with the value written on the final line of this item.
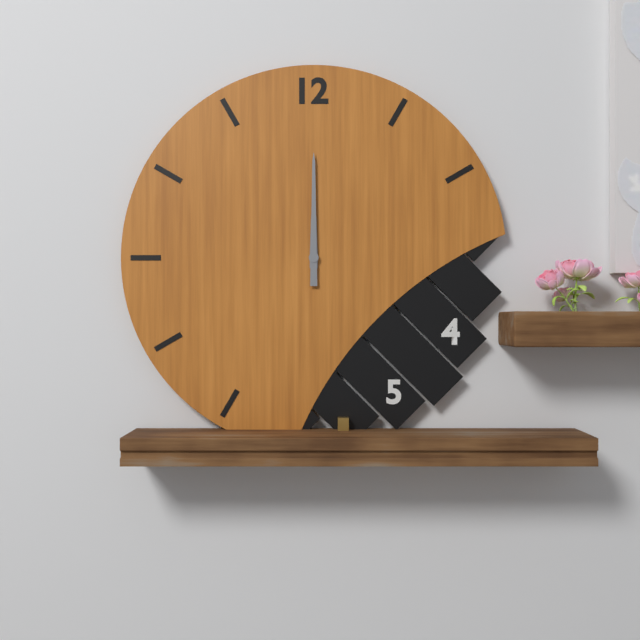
12,00
